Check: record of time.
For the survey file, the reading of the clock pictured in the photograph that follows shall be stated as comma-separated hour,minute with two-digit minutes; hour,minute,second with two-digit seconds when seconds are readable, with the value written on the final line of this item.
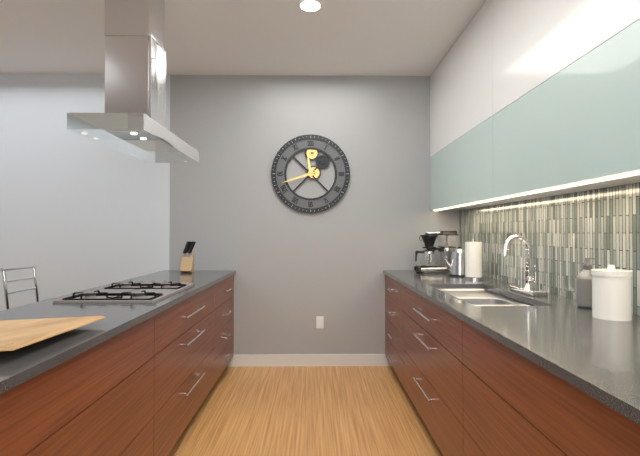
11,42
